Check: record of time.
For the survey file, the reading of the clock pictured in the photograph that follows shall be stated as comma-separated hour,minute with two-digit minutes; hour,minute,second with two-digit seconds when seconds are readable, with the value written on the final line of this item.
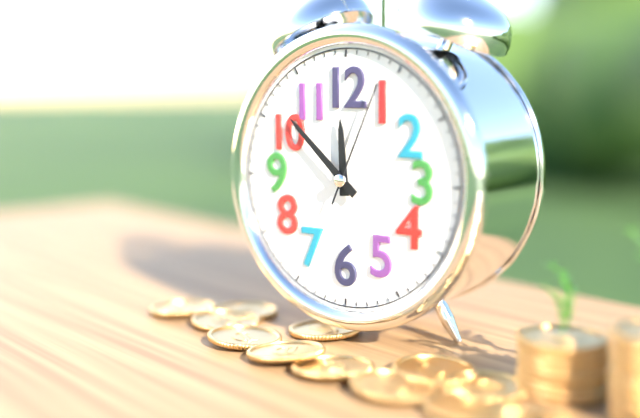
11,52,04
